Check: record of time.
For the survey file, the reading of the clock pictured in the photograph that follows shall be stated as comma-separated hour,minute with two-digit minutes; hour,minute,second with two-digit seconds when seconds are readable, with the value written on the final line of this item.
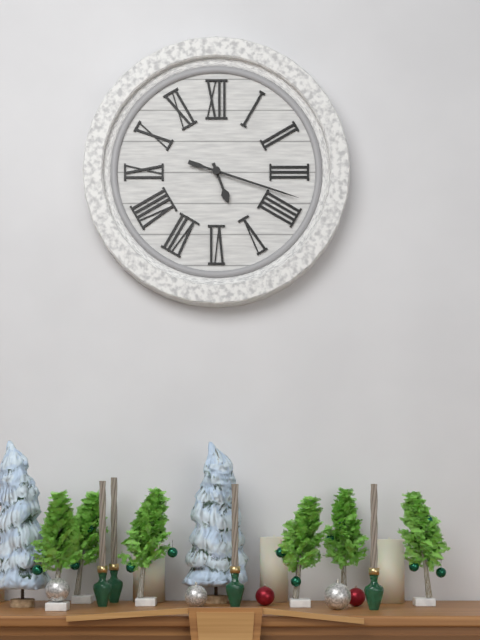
5,18
